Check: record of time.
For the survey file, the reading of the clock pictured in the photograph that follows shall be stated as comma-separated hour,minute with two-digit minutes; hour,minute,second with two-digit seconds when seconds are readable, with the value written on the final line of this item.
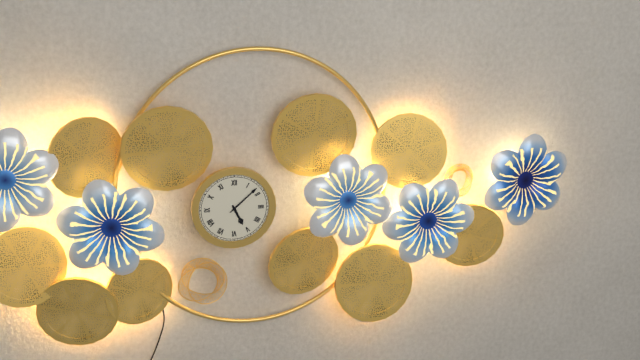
5,08
